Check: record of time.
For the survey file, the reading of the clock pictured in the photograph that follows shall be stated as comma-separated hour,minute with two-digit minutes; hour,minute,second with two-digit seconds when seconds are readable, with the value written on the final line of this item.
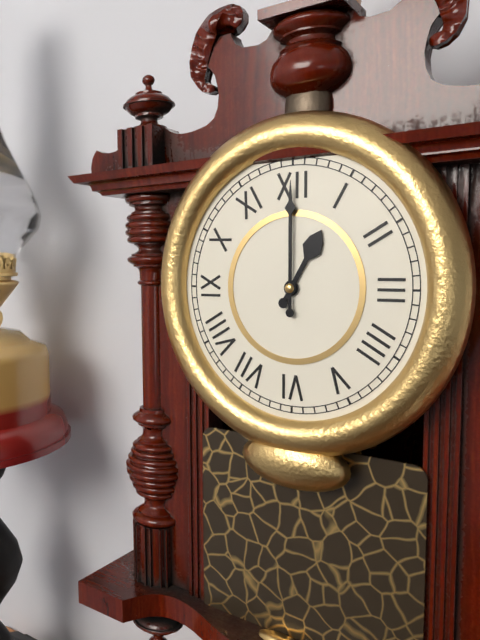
1,00
